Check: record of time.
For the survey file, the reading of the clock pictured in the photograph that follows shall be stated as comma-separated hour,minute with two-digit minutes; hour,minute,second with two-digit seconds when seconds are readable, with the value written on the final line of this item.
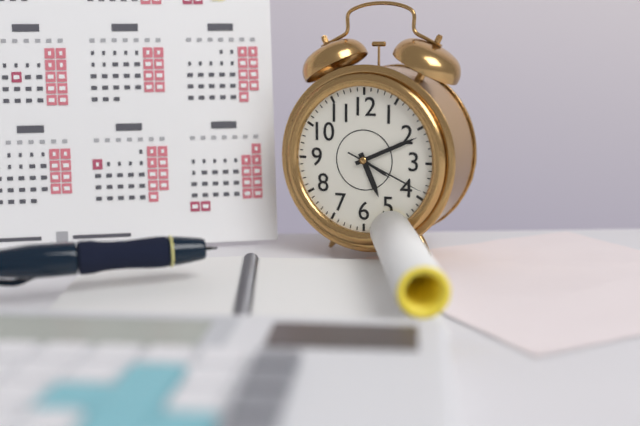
5,11,19
